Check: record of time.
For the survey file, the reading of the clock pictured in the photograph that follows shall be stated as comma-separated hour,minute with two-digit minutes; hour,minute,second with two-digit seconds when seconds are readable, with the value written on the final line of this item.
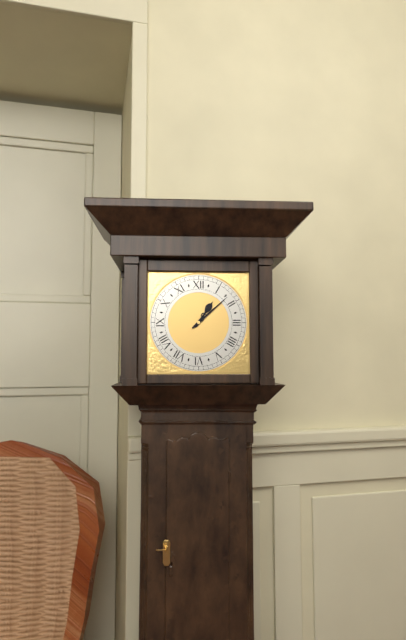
1,08
